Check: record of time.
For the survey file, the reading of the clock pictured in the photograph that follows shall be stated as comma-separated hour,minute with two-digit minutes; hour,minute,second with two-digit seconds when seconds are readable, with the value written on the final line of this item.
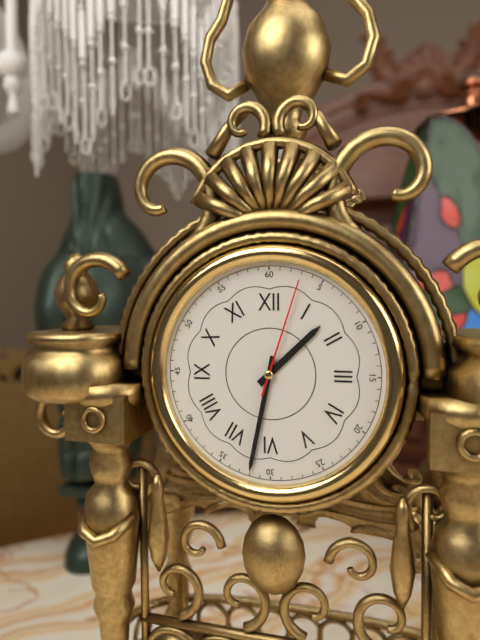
1,32,03
